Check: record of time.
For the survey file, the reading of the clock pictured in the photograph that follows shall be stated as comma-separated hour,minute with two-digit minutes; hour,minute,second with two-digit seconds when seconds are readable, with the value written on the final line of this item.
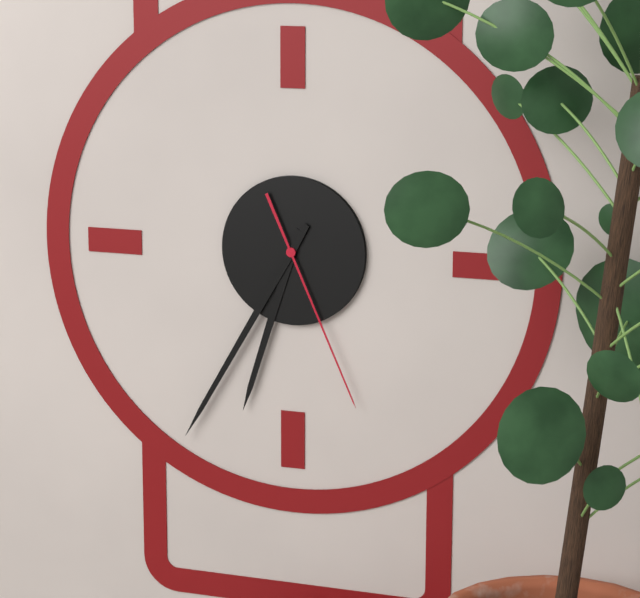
6,35,26
